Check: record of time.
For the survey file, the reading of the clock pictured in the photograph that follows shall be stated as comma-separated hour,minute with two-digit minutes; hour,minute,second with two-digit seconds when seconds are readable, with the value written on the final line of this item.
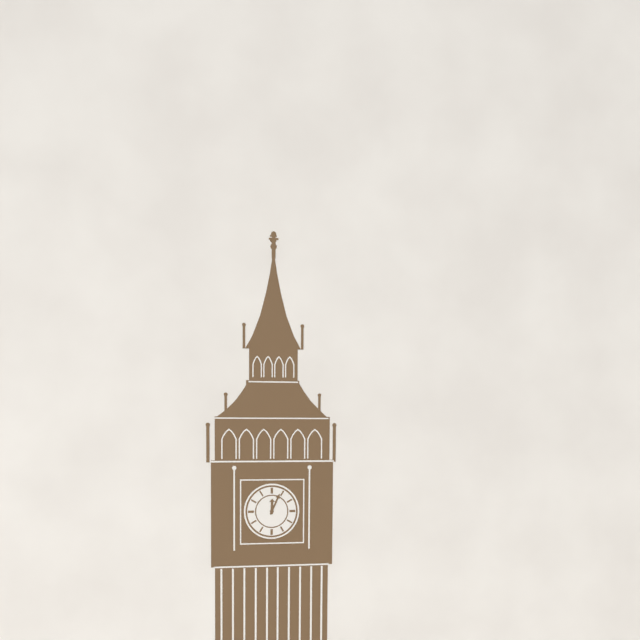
12,04
